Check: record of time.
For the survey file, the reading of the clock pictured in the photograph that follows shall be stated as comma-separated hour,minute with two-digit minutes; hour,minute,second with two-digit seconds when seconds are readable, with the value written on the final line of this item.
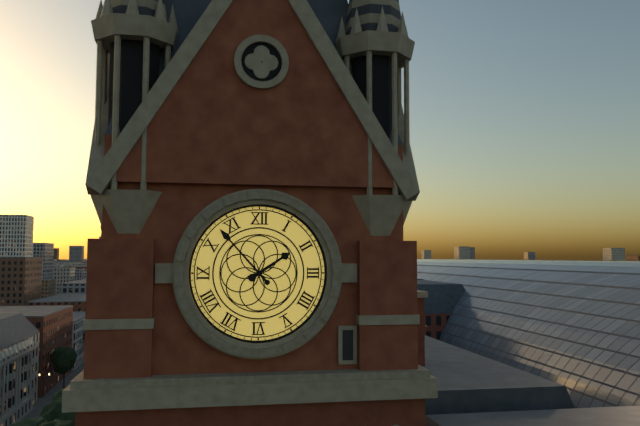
1,53
